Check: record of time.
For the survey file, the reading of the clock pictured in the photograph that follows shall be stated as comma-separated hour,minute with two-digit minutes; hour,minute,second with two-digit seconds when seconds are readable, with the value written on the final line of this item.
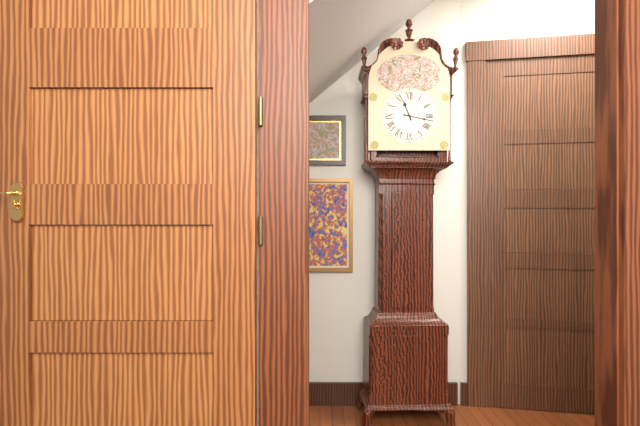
11,17
